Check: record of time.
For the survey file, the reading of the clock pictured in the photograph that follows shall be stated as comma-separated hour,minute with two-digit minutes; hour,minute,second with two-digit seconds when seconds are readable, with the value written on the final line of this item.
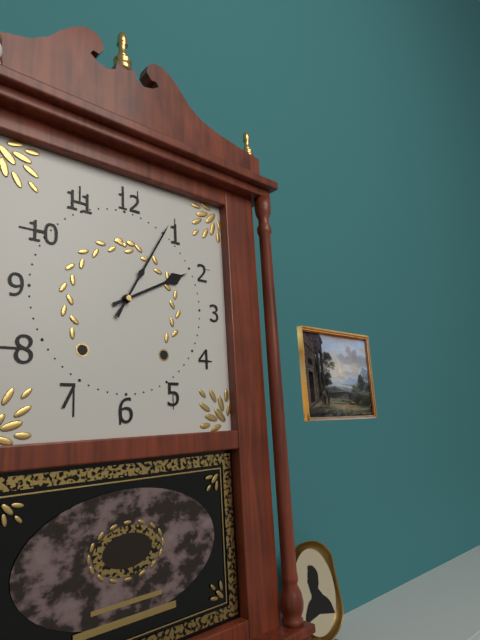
2,05
